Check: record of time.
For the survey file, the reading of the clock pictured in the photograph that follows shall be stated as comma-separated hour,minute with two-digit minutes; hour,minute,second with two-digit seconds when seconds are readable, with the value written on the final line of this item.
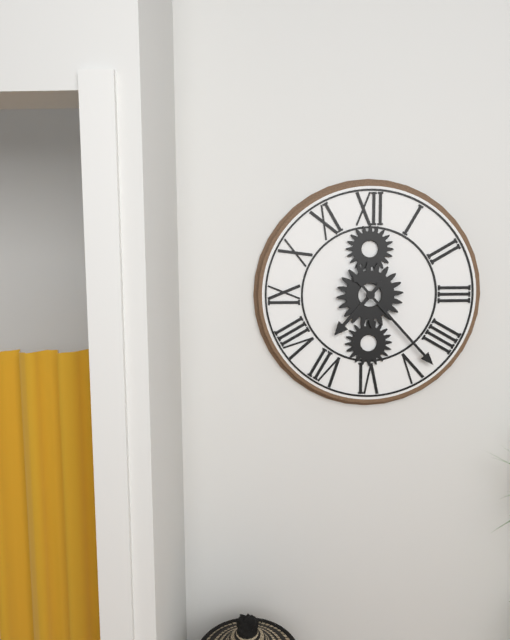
7,23
